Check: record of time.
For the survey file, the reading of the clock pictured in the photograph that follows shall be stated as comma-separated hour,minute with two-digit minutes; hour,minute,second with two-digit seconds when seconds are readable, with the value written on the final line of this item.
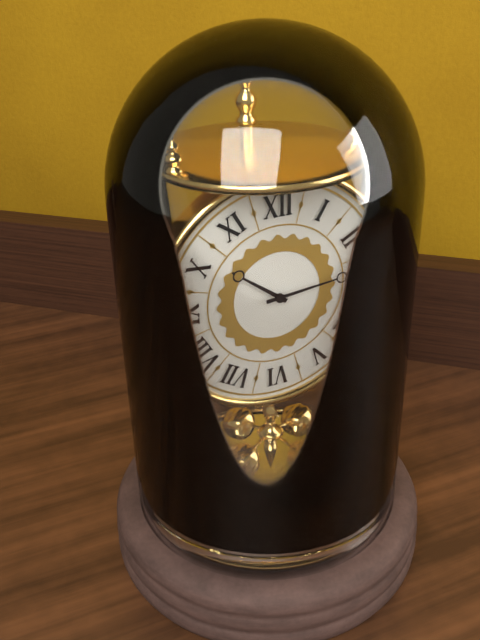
10,14
